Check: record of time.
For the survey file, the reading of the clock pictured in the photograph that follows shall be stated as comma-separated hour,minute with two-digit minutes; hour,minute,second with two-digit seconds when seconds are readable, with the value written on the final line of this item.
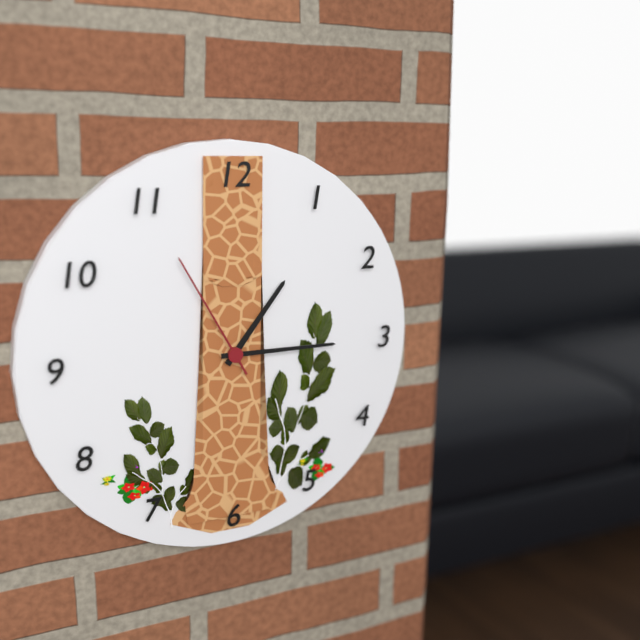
1,15,55
